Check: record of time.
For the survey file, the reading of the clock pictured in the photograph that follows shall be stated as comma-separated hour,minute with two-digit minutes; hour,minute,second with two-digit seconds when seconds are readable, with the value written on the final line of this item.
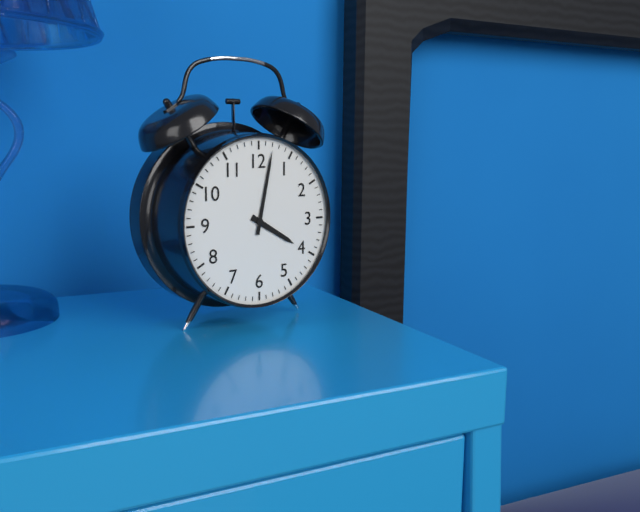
4,02
